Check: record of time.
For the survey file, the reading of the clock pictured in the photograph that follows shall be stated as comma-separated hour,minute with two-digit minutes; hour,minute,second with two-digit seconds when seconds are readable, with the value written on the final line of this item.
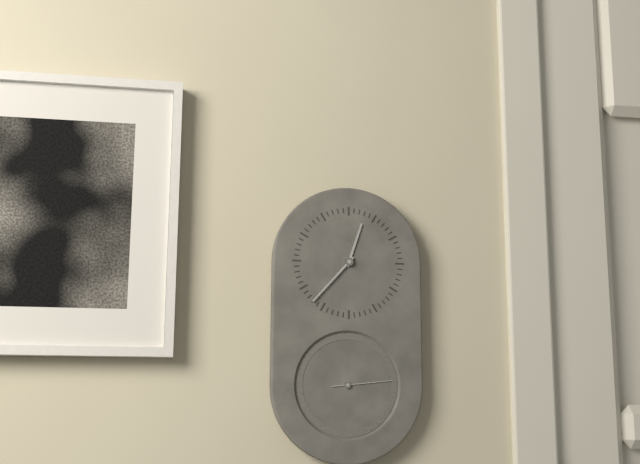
12,37,14
